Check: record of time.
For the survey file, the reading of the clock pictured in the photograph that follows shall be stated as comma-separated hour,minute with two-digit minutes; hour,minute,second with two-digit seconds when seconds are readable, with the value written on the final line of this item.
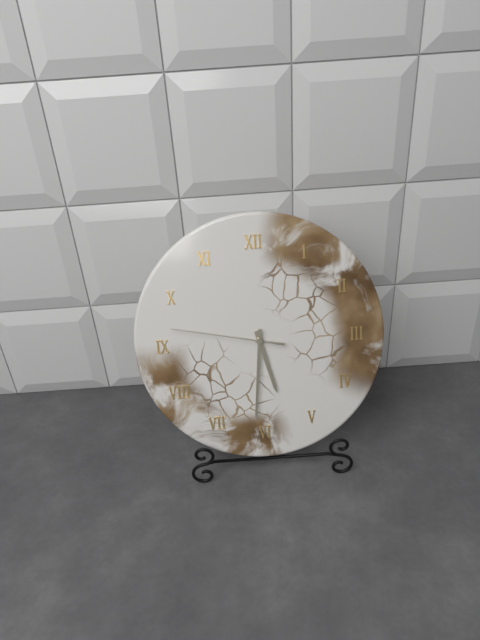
5,31,47
